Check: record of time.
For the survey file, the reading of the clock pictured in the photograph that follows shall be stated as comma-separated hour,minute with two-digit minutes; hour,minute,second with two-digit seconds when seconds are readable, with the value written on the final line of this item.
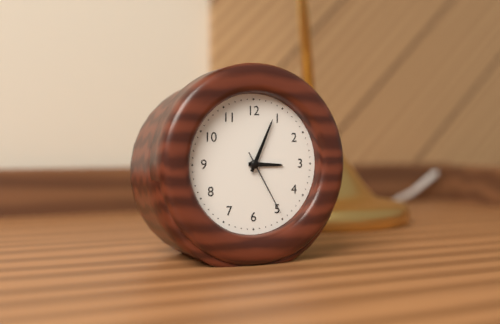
3,04,25
